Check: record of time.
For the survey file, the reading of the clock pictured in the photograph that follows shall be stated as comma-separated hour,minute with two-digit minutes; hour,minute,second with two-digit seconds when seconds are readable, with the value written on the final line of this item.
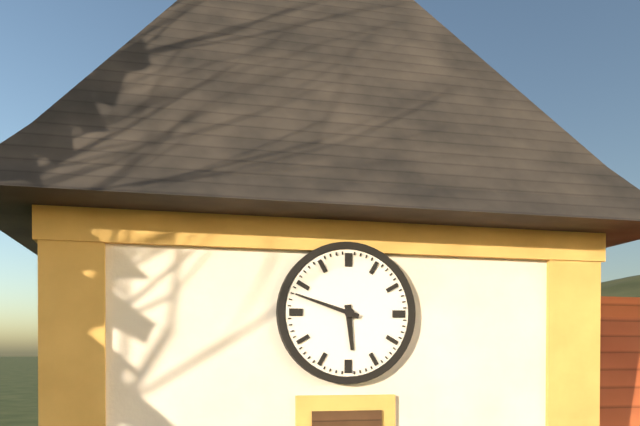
5,48
